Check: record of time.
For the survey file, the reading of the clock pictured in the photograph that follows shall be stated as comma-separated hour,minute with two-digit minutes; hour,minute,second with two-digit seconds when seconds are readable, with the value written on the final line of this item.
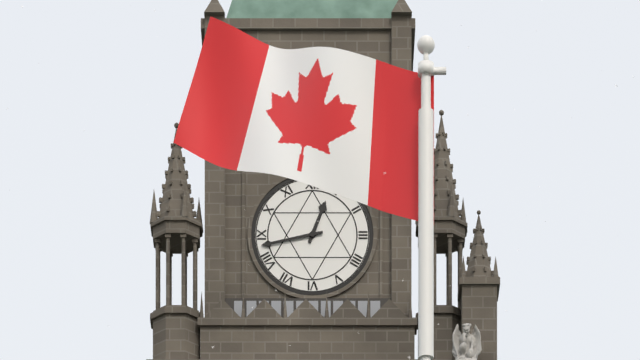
12,43
